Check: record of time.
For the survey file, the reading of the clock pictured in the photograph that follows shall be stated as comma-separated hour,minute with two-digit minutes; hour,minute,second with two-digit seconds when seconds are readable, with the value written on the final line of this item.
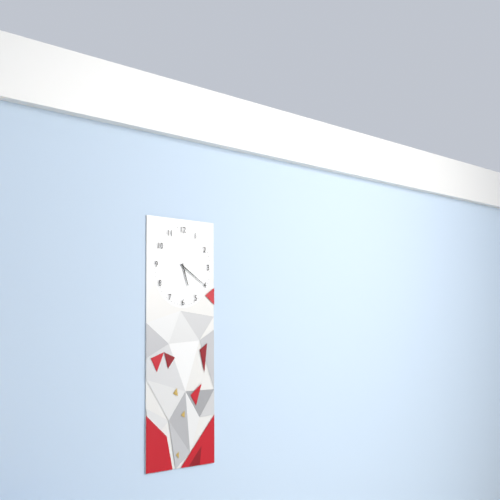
5,20
